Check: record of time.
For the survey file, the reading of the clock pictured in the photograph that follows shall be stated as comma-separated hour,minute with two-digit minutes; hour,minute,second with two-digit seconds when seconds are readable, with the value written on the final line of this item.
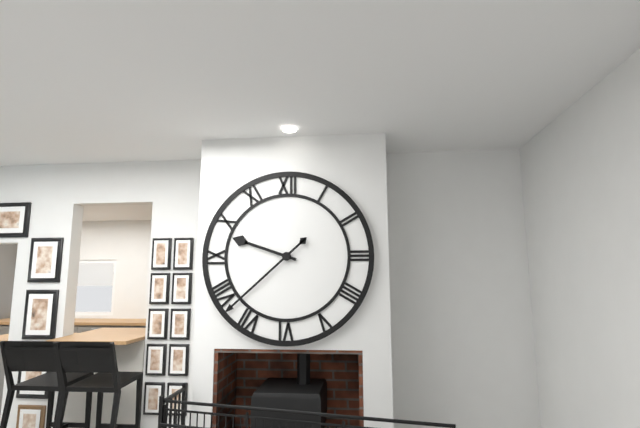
9,38
